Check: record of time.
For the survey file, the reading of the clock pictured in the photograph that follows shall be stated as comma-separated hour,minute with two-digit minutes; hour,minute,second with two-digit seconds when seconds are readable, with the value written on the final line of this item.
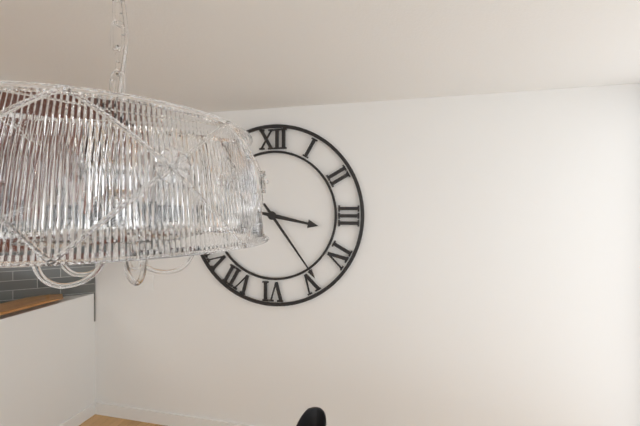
3,24
